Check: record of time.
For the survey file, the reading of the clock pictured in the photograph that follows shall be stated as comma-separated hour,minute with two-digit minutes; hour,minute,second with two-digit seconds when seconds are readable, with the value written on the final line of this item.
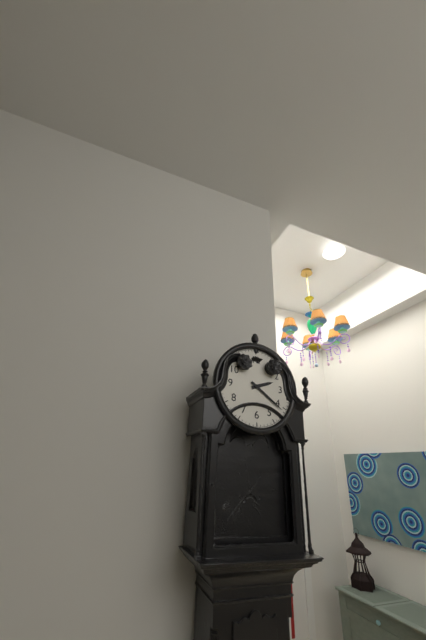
2,21
